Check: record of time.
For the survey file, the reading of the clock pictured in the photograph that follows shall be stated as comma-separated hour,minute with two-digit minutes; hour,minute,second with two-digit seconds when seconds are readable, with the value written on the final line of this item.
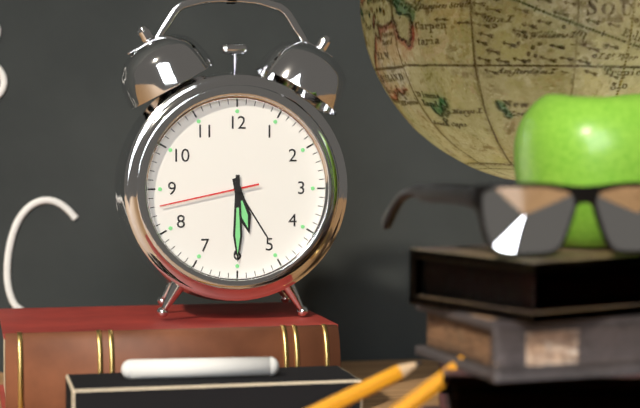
5,30,43
